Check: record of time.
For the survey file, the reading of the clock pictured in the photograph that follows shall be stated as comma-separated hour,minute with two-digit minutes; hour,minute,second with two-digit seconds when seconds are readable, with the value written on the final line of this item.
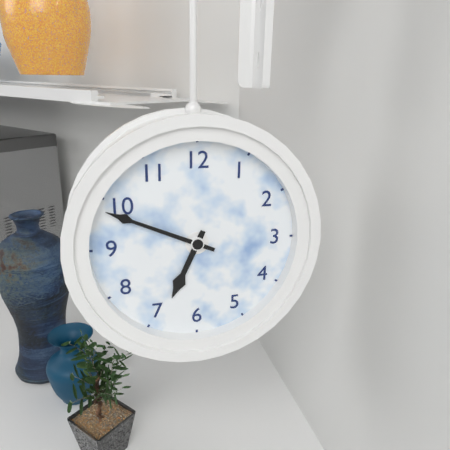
6,49
